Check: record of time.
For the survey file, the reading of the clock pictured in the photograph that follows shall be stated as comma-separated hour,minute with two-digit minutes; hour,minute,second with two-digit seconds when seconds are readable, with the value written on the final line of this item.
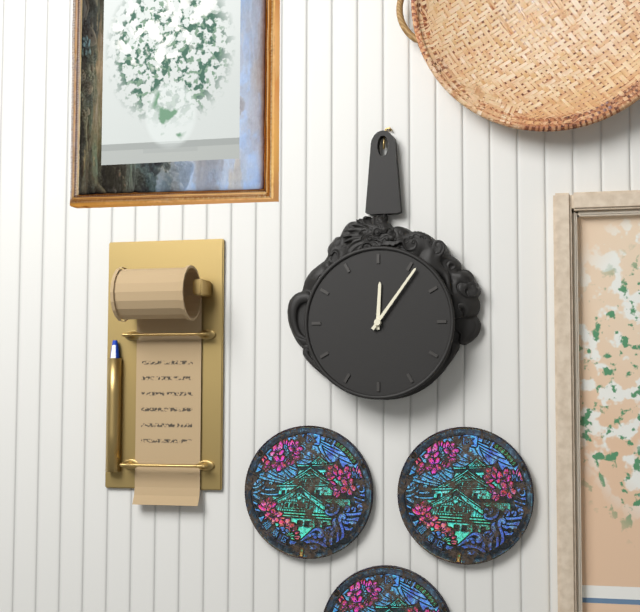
12,06
